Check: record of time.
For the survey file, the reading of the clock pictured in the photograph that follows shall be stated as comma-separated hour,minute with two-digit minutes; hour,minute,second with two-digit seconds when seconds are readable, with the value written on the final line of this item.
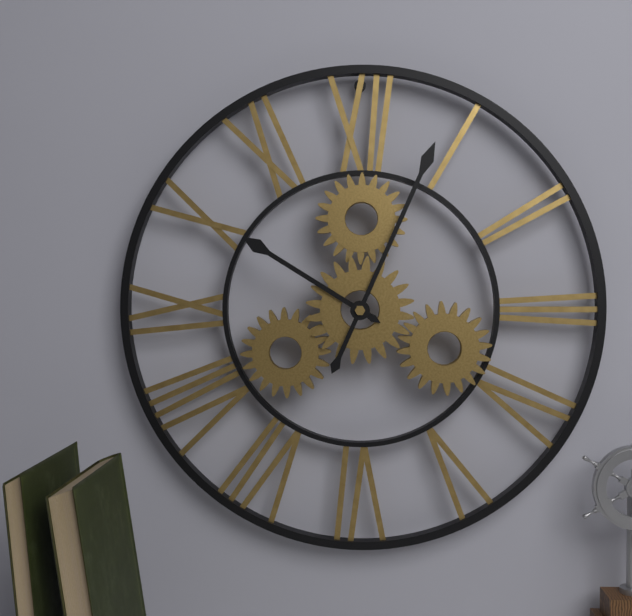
10,04
